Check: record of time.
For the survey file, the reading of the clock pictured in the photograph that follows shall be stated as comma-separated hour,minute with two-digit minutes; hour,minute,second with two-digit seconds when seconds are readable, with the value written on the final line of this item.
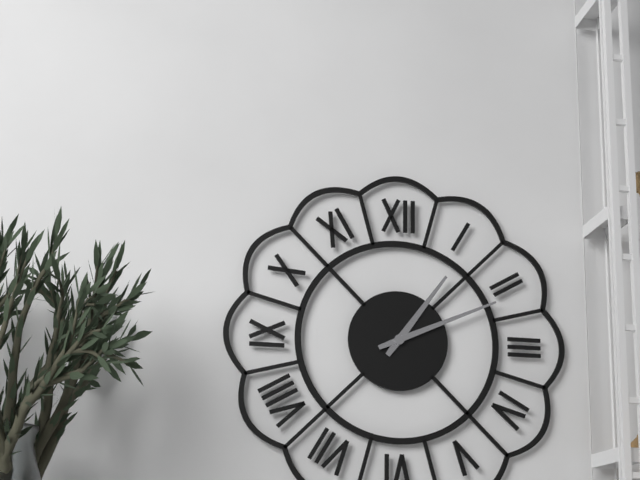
1,11
